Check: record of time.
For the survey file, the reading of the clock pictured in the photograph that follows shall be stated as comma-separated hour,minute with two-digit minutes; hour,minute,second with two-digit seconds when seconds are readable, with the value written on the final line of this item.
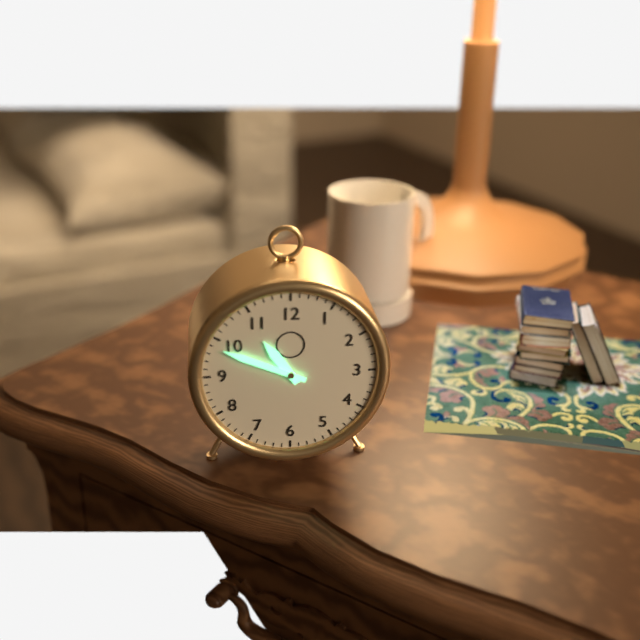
10,49
